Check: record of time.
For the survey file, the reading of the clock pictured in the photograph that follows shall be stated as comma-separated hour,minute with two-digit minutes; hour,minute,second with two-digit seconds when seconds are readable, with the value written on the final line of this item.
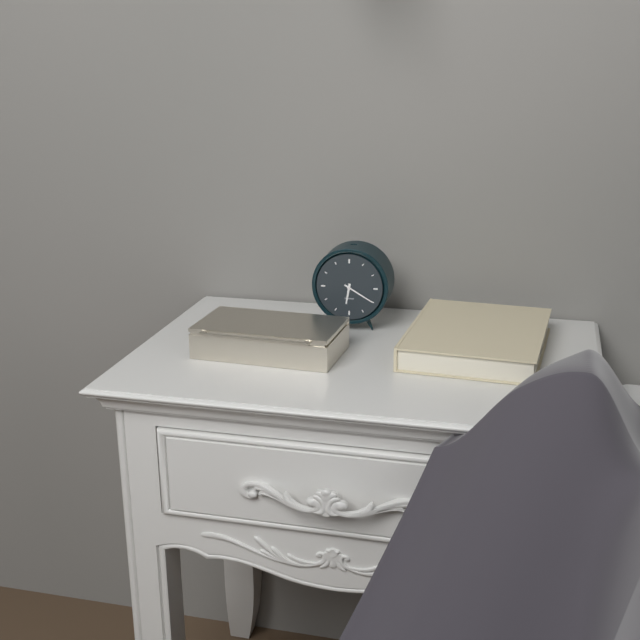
6,20
